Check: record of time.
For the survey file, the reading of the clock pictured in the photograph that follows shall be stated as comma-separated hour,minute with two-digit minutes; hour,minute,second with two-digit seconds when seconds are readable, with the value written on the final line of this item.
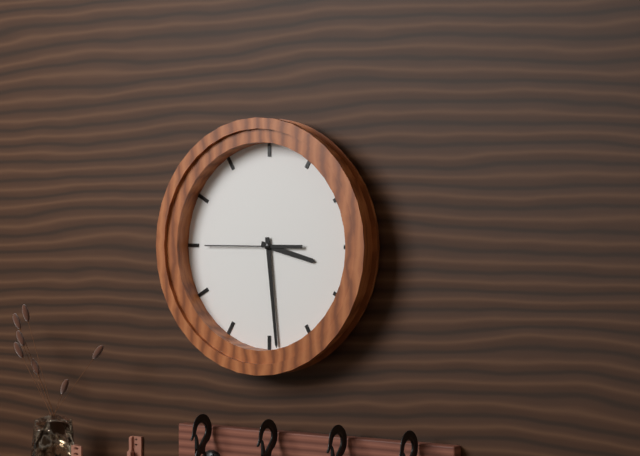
3,29,45
